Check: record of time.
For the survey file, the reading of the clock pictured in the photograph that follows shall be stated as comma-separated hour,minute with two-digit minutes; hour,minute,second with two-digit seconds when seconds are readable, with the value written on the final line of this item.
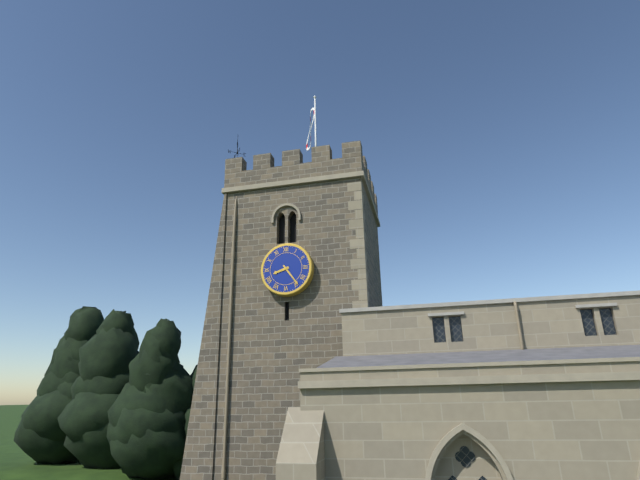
8,24
